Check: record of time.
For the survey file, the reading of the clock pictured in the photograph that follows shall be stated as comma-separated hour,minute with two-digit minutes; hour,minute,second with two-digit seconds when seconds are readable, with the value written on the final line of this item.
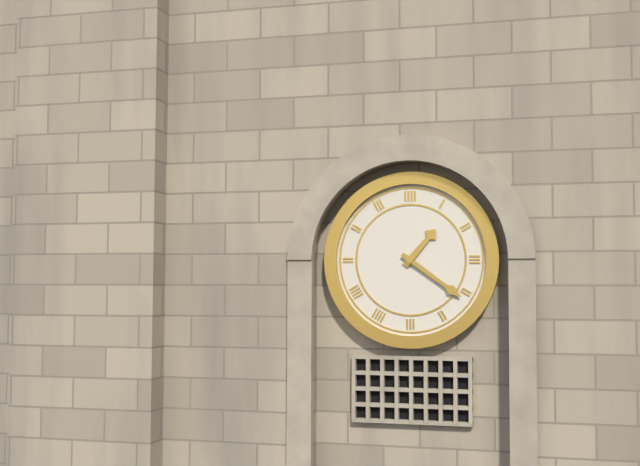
1,21
